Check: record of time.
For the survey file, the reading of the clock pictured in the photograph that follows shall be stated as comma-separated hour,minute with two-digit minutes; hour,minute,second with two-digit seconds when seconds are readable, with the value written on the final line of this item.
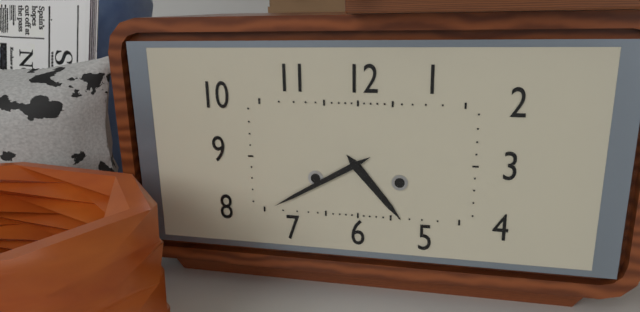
4,40
